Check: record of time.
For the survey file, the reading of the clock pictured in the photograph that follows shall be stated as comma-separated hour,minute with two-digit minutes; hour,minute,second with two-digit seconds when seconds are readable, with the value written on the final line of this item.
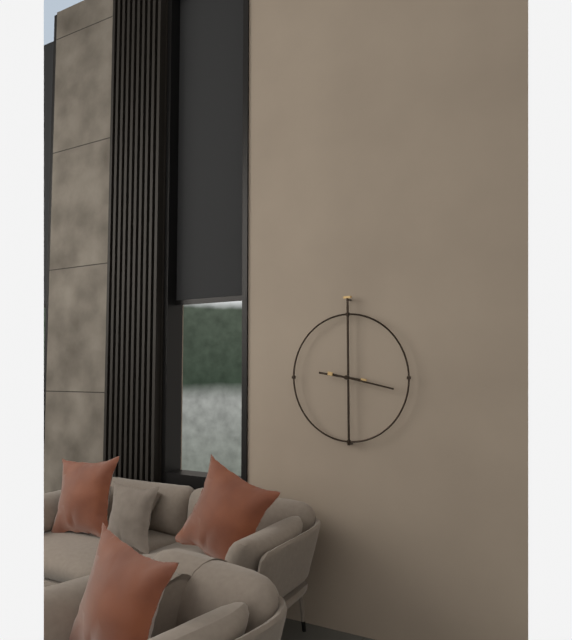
9,17
